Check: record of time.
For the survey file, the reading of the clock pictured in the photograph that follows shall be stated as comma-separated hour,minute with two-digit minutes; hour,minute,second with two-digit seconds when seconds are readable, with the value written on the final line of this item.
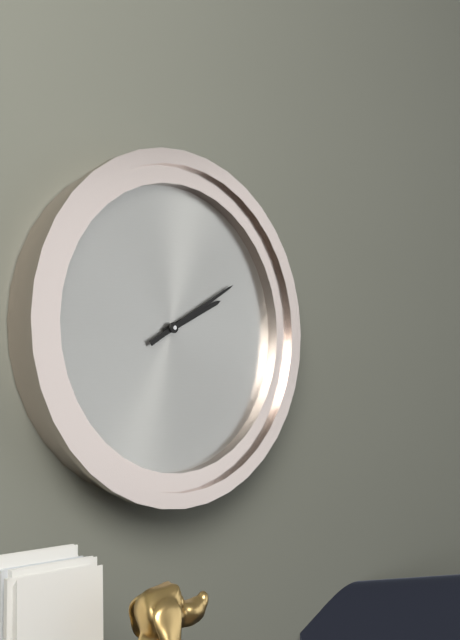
2,10
